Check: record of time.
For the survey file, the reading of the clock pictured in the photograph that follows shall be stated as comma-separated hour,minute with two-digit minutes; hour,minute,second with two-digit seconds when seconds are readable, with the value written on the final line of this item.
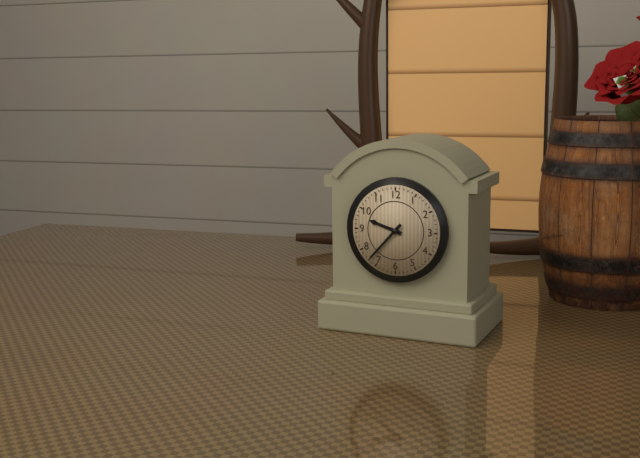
9,37
